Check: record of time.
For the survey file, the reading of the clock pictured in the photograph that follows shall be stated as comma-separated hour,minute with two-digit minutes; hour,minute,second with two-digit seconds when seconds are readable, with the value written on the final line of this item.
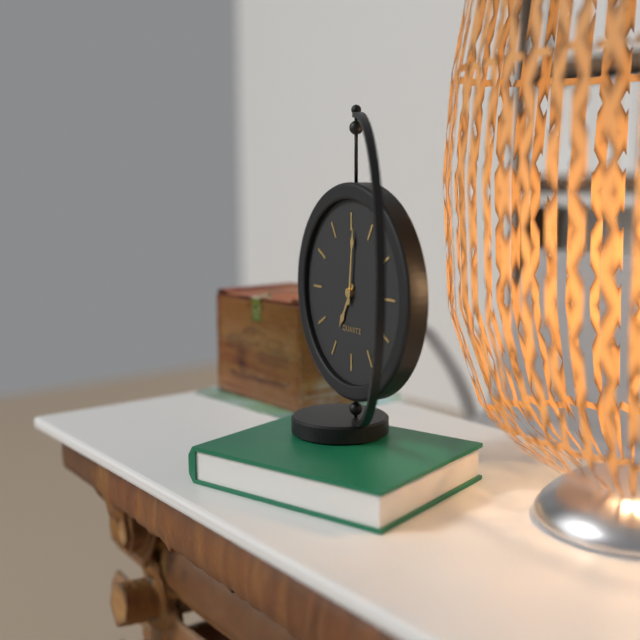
7,01
